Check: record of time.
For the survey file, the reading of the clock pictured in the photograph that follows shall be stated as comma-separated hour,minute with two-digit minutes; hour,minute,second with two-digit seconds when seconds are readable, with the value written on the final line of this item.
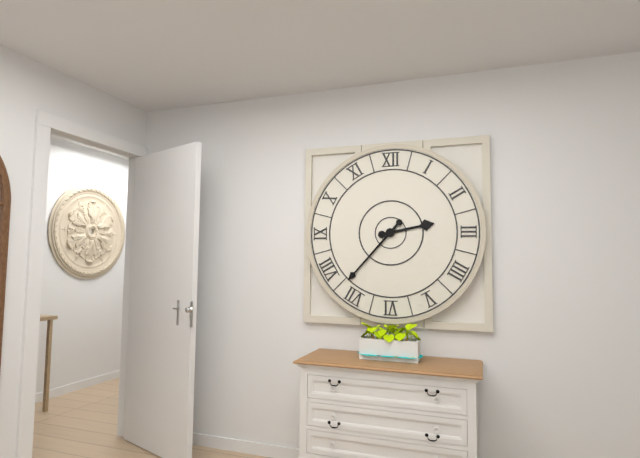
2,37
